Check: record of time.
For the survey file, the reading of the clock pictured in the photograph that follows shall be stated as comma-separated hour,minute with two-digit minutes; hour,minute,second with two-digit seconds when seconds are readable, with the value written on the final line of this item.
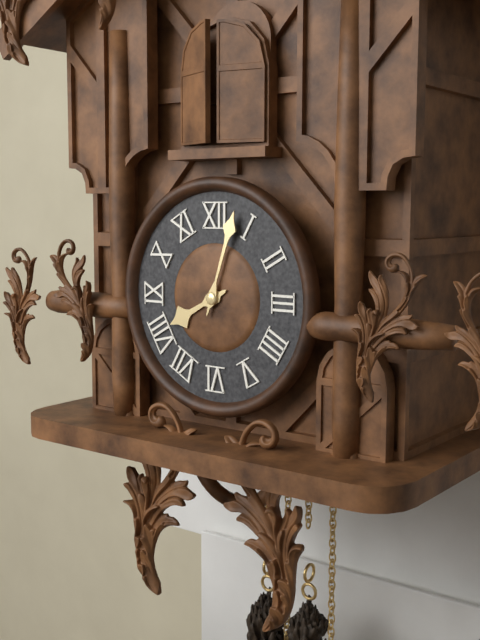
8,03
